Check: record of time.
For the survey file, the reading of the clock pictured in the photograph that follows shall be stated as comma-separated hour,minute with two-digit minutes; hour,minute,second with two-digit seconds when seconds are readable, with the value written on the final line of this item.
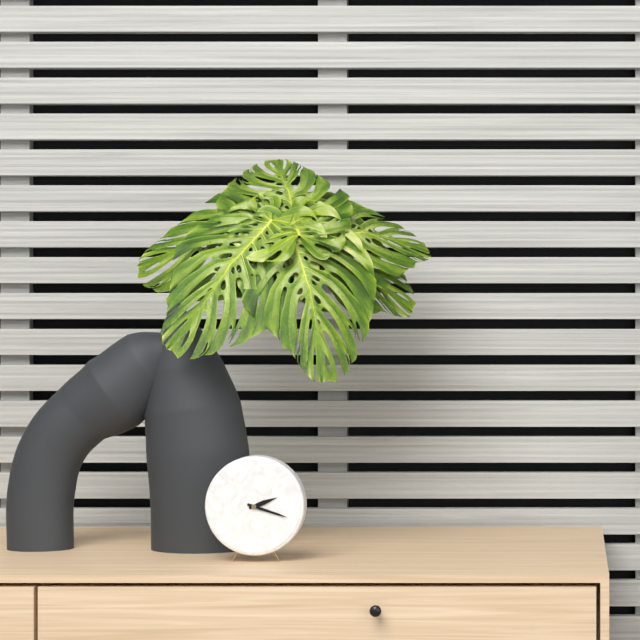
2,18
